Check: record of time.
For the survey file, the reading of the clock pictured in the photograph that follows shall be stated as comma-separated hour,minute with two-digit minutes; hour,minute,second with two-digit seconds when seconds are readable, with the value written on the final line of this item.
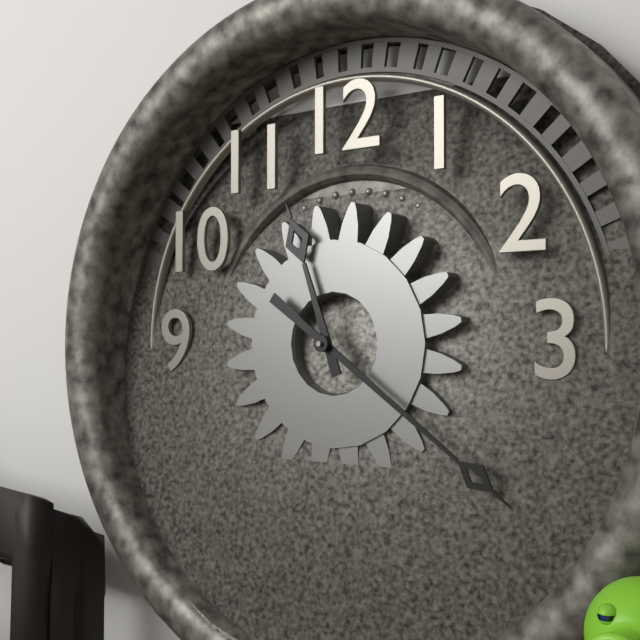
11,21
